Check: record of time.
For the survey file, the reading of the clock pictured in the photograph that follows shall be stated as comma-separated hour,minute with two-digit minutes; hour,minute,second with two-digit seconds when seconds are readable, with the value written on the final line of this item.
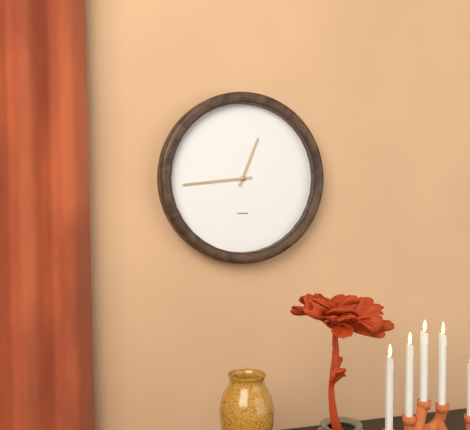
12,44
